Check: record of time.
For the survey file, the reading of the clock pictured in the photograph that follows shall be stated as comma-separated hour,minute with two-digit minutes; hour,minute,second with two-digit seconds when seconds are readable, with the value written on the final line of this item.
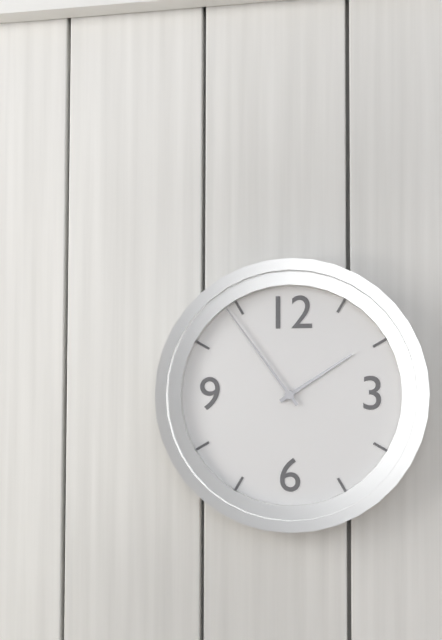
1,54
